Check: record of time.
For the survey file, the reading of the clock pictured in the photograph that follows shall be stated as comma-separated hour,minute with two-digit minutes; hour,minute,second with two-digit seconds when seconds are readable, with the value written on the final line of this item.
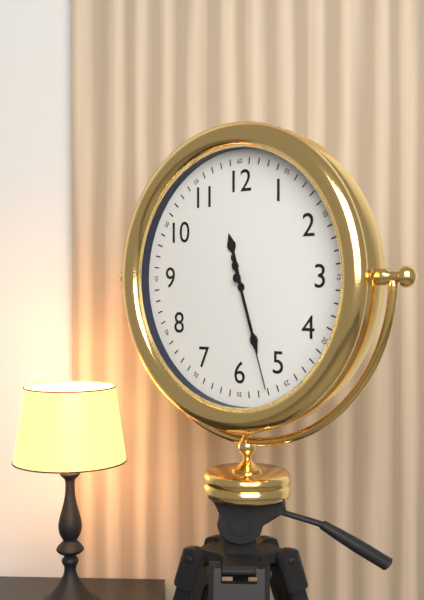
11,27,27
